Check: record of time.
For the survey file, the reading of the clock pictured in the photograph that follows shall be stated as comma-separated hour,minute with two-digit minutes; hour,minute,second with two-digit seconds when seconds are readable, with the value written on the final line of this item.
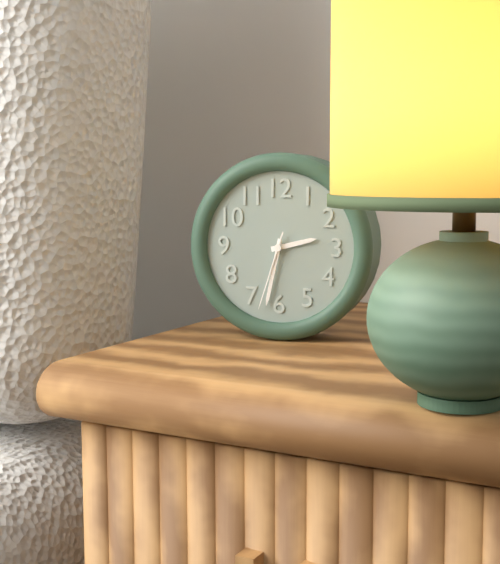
2,32,33
